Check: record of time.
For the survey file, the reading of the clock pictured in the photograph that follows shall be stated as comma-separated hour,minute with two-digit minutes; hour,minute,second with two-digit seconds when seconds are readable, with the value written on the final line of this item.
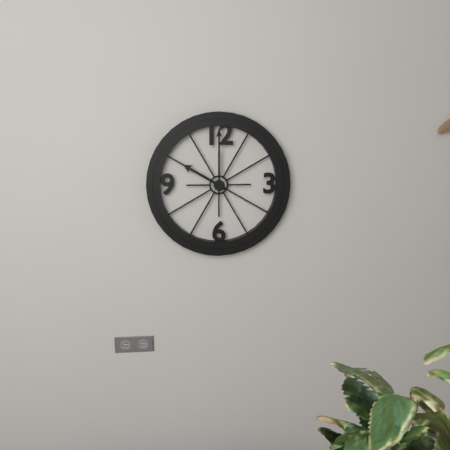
10,00
